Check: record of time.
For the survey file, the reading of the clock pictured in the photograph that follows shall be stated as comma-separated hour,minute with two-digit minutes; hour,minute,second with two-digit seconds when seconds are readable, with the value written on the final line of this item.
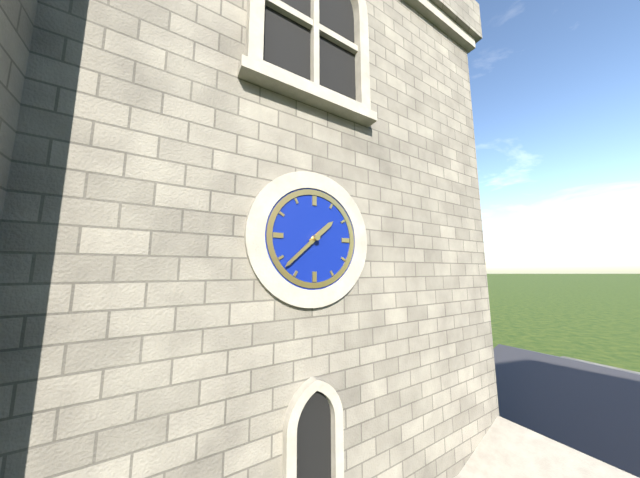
1,38
